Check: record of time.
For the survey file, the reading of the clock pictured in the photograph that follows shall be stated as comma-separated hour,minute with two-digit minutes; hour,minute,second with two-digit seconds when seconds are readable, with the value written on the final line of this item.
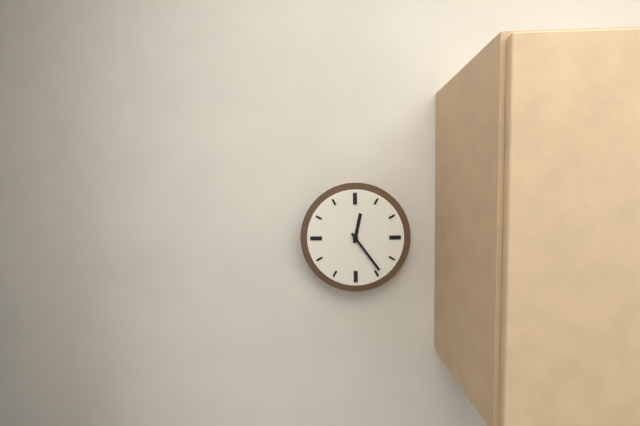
12,24
